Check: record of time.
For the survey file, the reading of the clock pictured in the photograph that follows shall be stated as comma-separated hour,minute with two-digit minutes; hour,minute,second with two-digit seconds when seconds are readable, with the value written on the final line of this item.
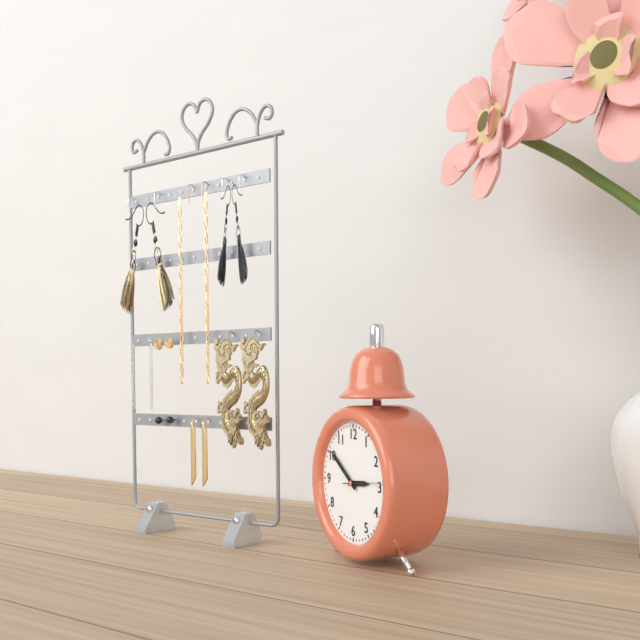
2,51
